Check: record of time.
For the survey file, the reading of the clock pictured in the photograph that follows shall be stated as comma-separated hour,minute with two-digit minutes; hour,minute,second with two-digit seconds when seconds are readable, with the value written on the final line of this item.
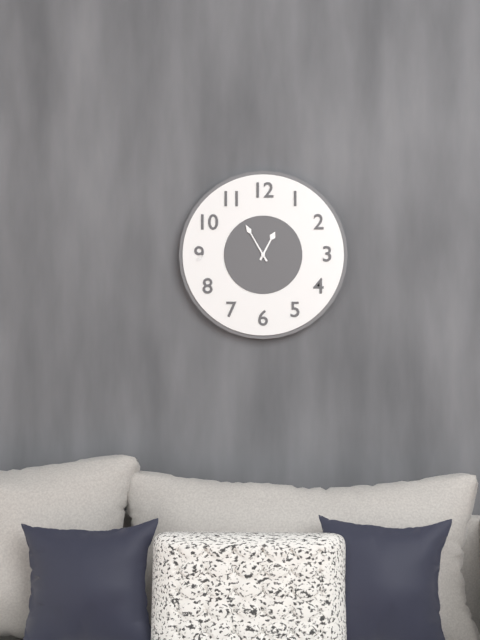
12,55
